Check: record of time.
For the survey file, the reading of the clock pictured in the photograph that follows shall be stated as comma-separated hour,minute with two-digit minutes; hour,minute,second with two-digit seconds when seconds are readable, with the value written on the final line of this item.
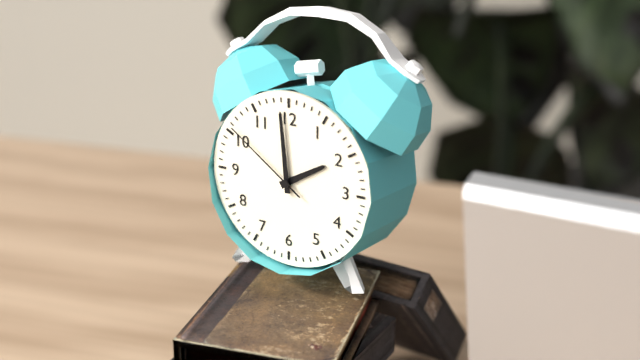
1,59,51
